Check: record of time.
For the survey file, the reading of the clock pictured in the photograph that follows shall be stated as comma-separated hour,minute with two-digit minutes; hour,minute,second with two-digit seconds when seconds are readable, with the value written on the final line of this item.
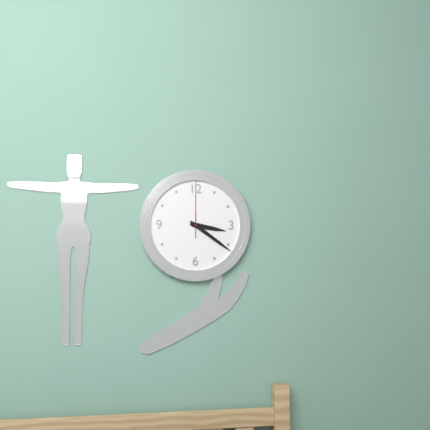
3,21,00
